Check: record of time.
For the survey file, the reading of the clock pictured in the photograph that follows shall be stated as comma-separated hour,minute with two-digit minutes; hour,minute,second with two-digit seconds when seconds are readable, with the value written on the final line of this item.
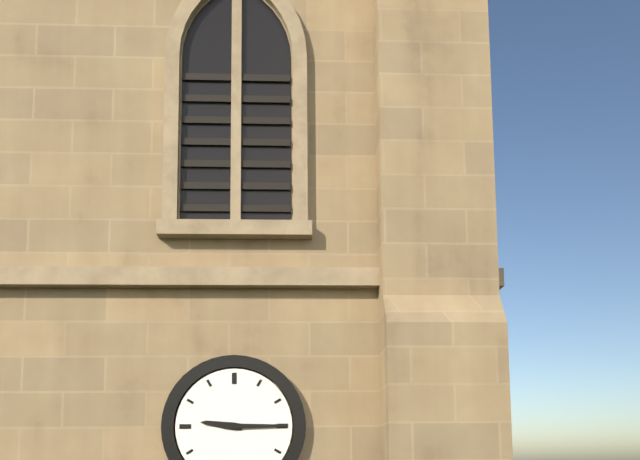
9,15
